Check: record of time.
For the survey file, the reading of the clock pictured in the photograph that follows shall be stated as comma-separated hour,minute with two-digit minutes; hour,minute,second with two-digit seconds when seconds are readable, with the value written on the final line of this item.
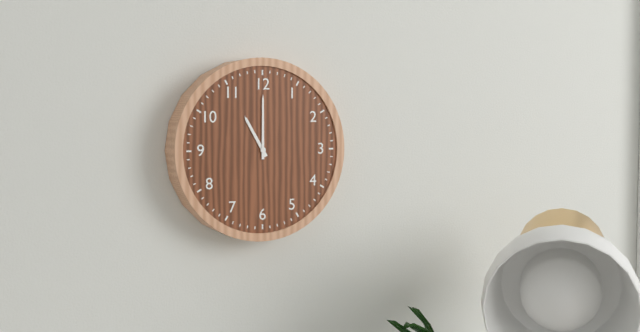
11,00
